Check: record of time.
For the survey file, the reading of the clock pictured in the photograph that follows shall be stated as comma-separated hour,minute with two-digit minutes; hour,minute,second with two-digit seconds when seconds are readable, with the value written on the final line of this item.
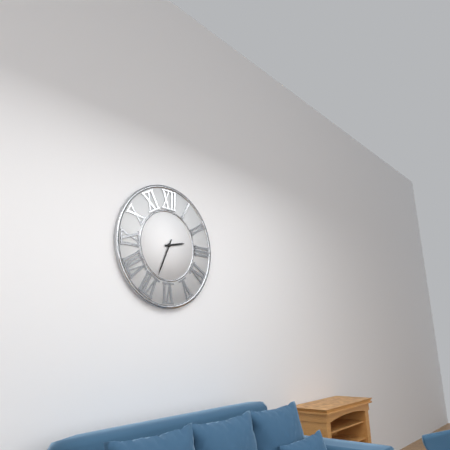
2,34
